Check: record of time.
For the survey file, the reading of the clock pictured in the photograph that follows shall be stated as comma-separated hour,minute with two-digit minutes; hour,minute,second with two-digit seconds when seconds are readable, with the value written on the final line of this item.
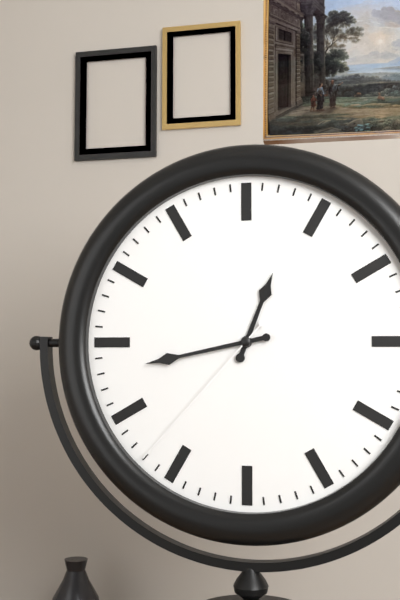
12,43,37
